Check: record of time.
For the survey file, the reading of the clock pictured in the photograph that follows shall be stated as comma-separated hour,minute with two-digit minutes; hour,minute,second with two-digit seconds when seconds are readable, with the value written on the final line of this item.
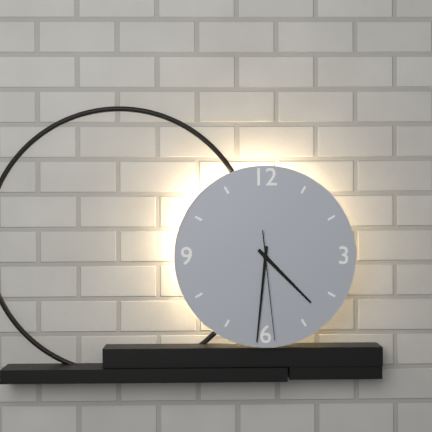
4,31,29
